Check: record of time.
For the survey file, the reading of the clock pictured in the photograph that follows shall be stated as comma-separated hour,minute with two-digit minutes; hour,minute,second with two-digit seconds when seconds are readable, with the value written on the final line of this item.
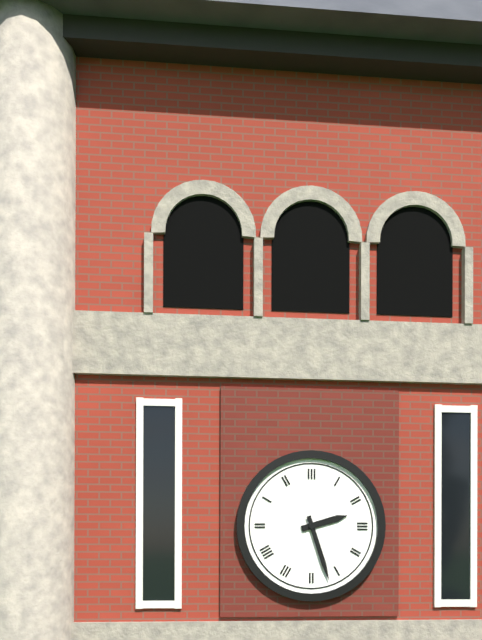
2,27
